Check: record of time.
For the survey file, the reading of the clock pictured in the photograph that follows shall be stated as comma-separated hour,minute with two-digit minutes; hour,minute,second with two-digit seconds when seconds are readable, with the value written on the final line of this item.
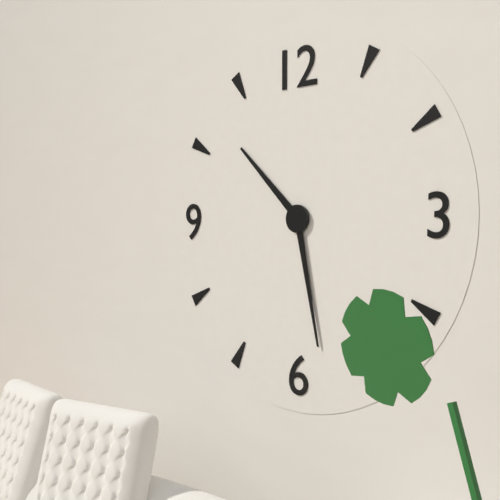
10,28
